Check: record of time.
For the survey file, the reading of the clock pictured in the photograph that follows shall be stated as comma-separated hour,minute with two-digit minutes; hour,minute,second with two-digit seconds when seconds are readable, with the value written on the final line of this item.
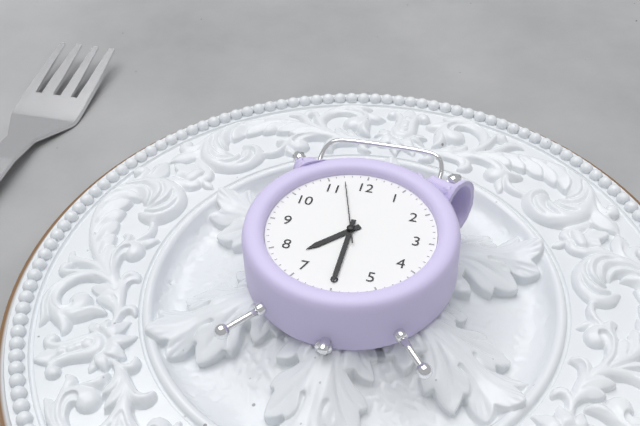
7,30,57
